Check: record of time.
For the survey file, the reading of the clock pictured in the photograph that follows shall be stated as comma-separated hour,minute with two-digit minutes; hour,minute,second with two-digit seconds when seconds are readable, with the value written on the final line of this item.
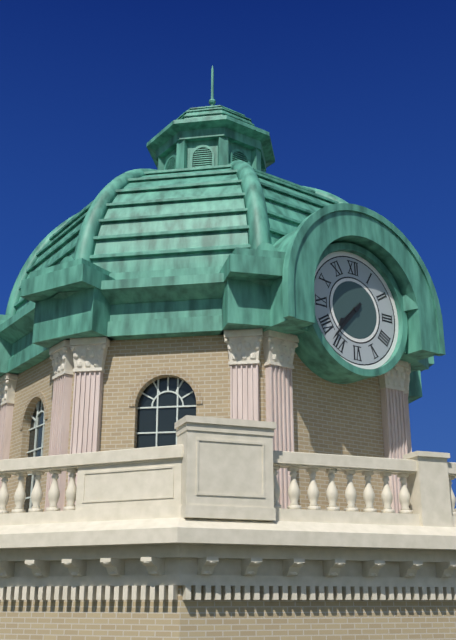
7,37
